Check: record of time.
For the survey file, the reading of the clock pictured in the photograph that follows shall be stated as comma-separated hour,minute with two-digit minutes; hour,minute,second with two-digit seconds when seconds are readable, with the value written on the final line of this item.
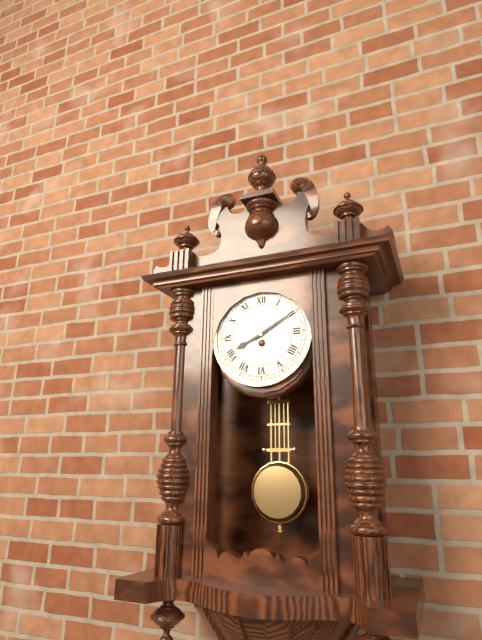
8,10
